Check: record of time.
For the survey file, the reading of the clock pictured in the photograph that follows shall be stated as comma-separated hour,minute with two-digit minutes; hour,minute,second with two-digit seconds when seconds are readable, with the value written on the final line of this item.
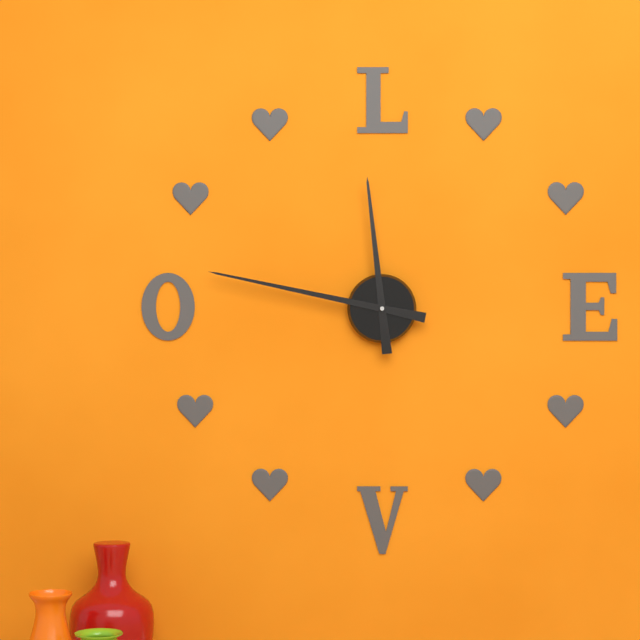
11,47
